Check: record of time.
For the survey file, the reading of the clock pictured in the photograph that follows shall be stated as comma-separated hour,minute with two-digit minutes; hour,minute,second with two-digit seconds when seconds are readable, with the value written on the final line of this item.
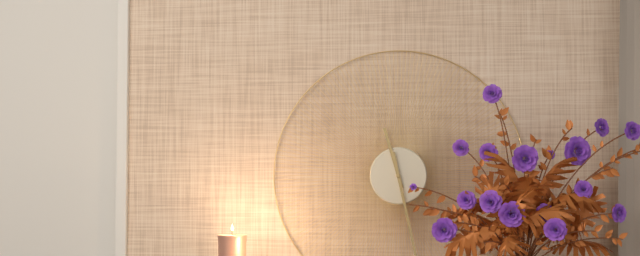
11,28
